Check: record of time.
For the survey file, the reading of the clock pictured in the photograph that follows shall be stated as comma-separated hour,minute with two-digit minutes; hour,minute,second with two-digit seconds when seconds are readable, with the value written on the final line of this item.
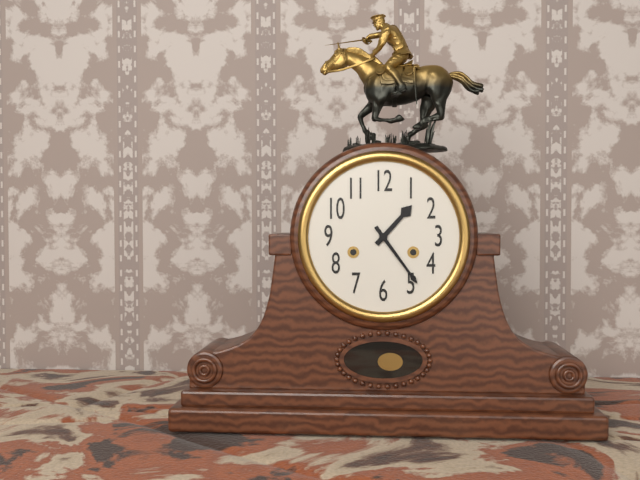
1,24
